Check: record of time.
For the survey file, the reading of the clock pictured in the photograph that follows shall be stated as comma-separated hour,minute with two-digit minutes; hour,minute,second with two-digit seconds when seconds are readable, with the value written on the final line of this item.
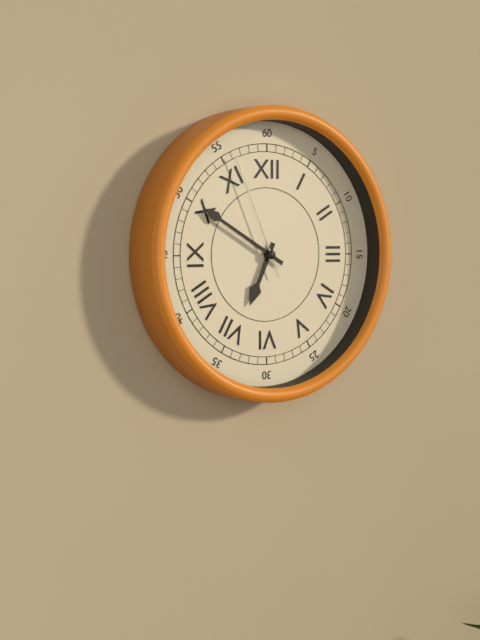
6,50,56
